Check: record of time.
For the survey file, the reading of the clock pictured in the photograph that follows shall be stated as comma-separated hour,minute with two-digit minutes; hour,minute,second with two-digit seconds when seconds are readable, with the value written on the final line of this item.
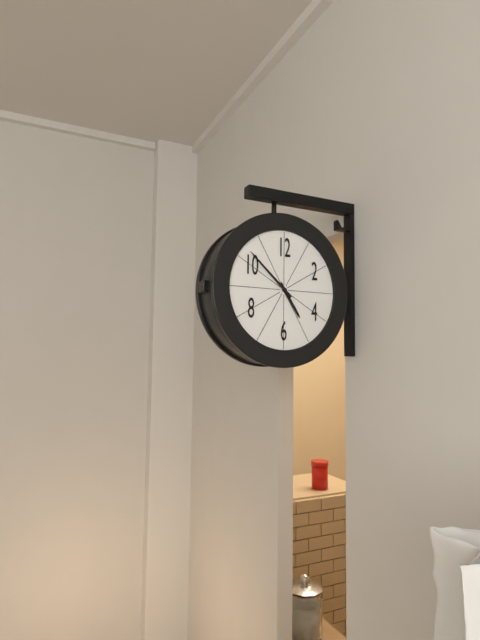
4,52
